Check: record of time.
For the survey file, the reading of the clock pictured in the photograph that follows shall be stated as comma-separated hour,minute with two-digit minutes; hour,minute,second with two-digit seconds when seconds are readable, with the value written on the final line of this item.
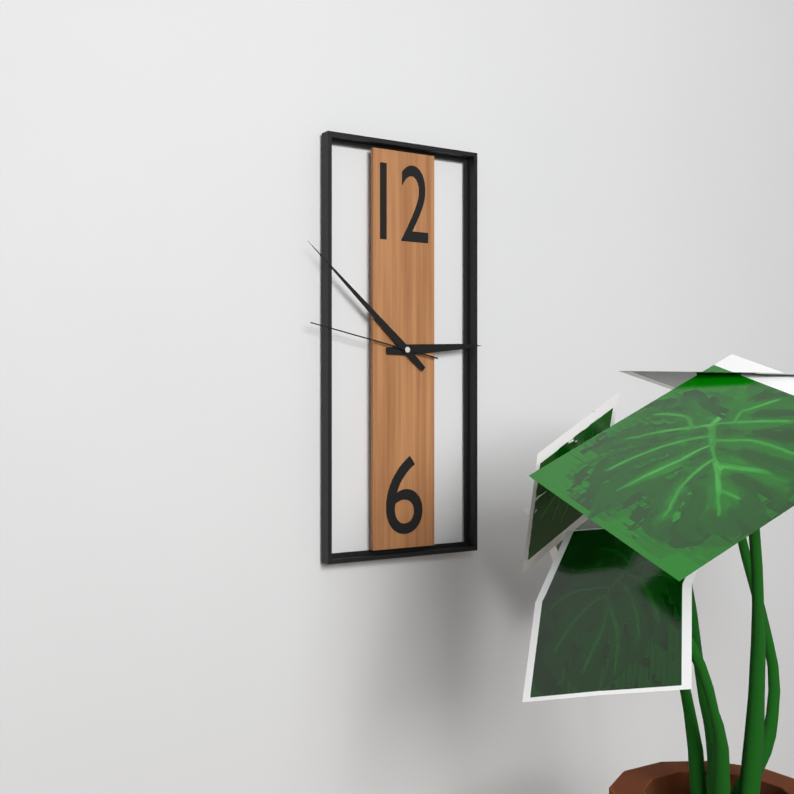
2,52,47
